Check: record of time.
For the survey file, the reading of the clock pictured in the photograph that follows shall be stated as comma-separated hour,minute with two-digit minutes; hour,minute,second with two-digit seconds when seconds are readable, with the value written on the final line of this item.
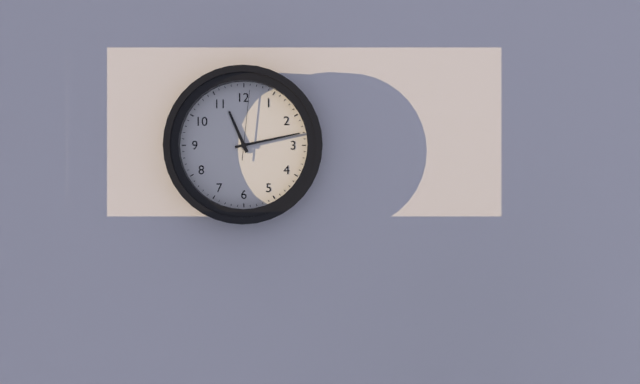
11,13,01
